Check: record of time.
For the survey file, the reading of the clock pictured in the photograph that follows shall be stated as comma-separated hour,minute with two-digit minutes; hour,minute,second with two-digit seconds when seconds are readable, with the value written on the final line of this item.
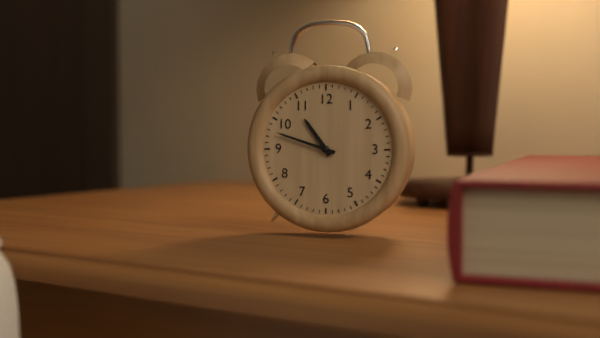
10,48
